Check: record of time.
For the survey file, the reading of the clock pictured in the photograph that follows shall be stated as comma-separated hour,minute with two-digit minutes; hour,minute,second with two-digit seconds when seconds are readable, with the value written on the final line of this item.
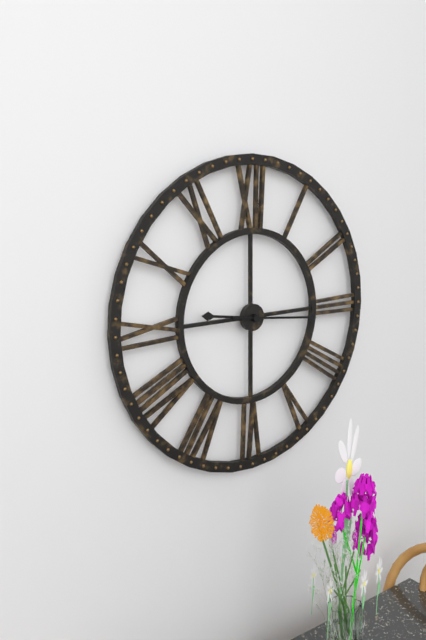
9,16
